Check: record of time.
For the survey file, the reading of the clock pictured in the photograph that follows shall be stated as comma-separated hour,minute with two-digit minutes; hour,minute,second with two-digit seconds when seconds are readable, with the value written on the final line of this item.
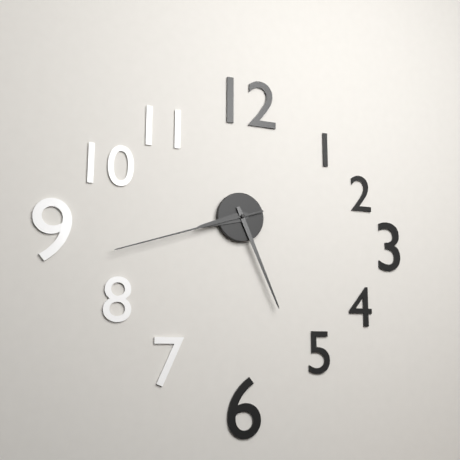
8,26,42
